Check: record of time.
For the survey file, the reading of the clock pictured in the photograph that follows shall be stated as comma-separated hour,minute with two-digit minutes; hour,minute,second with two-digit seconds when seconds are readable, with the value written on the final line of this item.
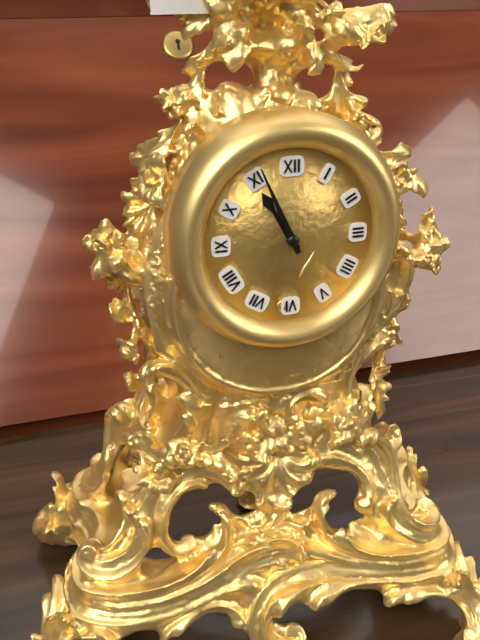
10,56
